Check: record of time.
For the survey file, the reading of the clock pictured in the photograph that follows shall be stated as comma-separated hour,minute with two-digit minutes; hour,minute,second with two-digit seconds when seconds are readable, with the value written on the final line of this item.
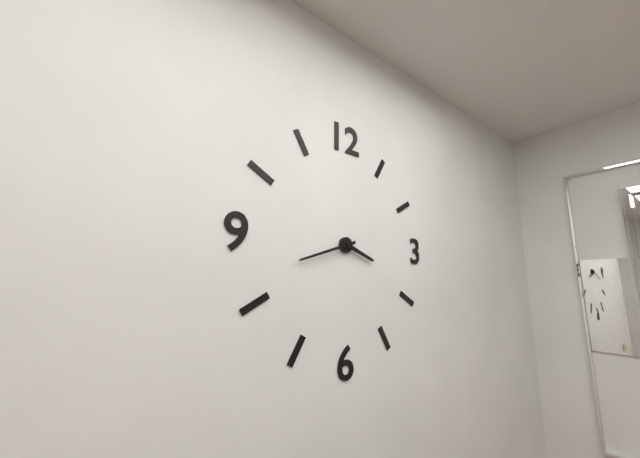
3,42
